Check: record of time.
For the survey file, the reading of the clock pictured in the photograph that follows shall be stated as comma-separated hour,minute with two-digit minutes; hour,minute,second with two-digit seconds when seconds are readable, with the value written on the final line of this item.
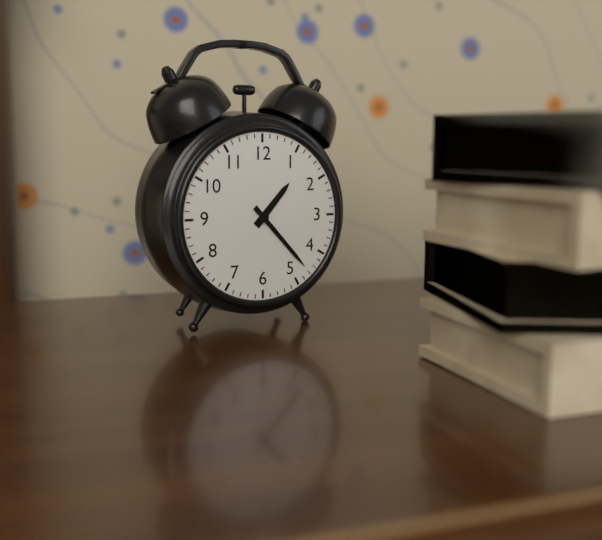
1,23
